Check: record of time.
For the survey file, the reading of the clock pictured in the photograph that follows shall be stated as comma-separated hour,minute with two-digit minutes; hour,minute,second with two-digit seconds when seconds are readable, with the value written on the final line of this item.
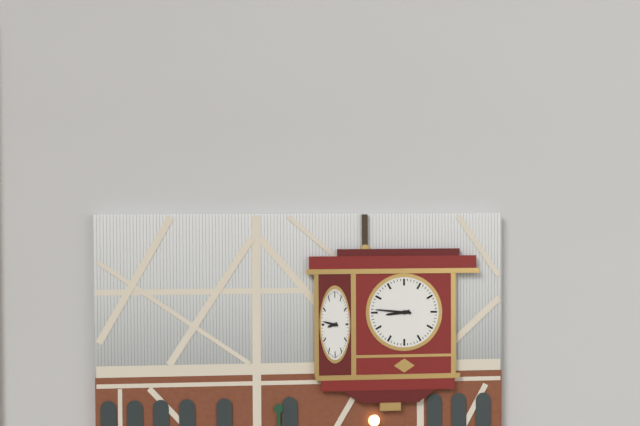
8,46
